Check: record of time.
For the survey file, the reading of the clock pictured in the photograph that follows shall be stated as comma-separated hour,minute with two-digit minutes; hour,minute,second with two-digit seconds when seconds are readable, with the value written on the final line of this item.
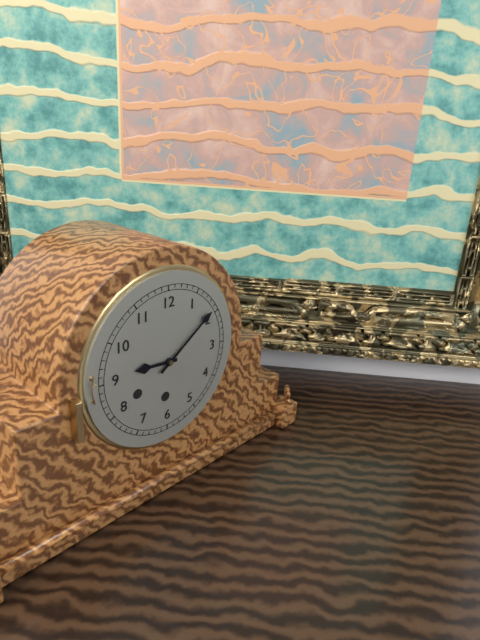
9,09
